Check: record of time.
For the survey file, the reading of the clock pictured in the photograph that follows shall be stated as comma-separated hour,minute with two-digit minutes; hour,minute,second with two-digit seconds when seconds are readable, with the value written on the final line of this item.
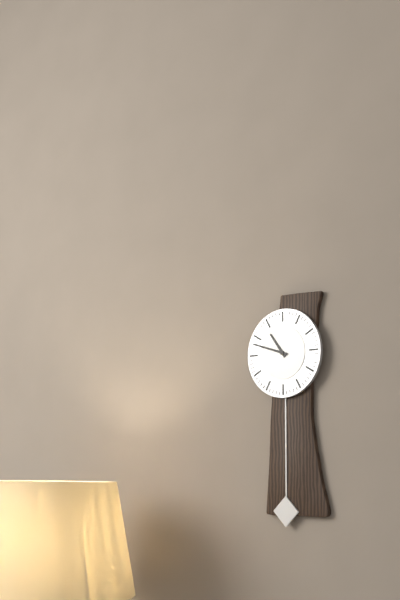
10,48
